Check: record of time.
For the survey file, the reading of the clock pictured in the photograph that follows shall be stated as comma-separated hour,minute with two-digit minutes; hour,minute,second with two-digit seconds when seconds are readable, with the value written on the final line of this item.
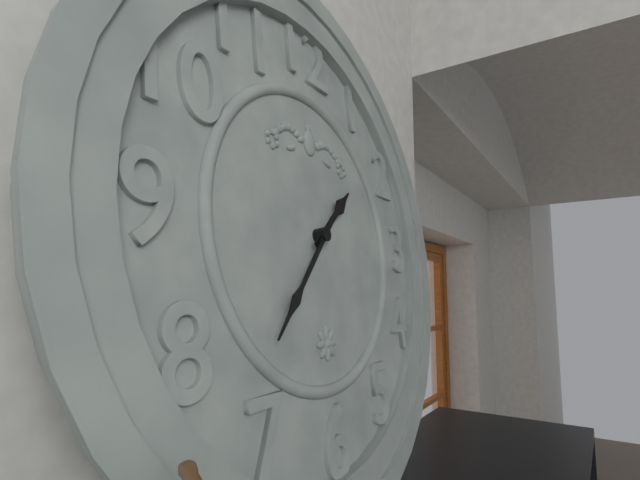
1,37
